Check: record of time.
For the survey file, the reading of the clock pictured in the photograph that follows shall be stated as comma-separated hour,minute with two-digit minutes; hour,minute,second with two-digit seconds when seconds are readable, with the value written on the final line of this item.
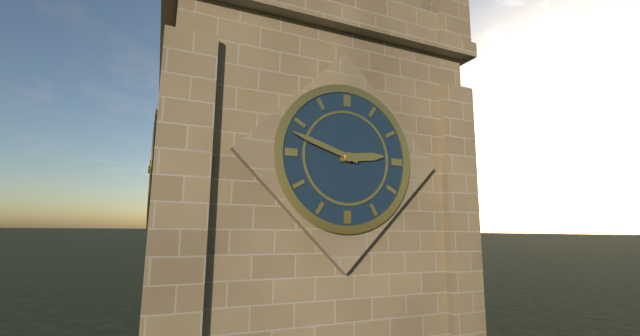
2,48
